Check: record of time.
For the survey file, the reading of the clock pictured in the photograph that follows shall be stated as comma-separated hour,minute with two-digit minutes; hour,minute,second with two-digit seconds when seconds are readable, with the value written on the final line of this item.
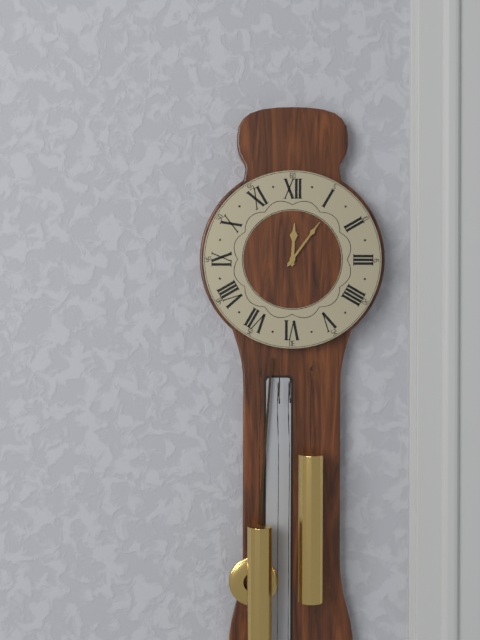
12,06
